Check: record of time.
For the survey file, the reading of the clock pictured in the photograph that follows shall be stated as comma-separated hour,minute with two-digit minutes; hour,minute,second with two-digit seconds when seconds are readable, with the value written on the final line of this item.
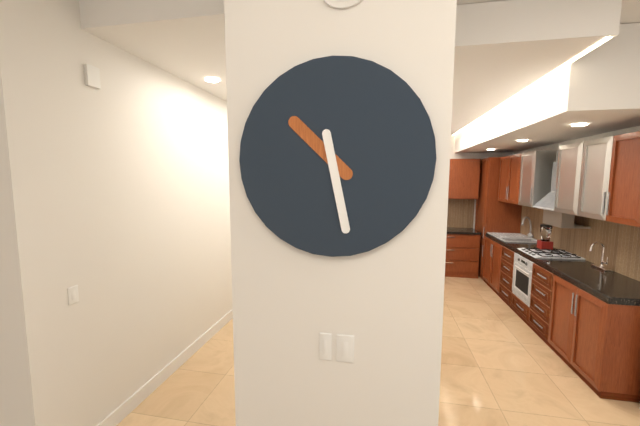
10,28
